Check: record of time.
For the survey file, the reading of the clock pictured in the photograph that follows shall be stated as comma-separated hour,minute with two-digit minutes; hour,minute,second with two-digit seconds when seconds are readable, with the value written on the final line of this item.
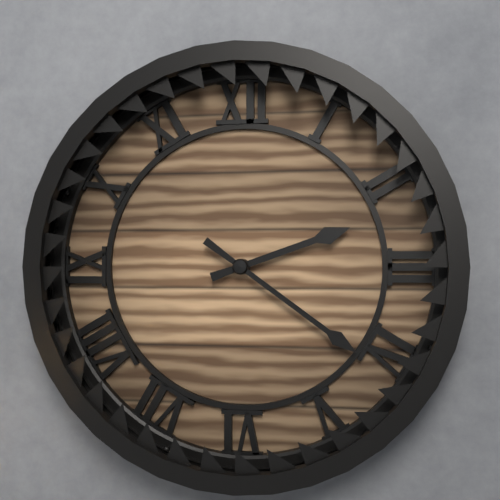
2,21
